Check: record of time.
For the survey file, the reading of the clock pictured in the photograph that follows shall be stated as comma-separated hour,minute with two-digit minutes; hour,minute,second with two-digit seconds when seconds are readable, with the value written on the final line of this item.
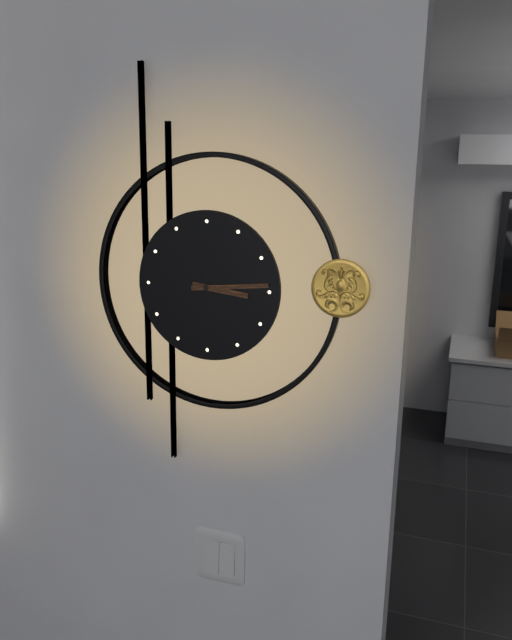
3,14
